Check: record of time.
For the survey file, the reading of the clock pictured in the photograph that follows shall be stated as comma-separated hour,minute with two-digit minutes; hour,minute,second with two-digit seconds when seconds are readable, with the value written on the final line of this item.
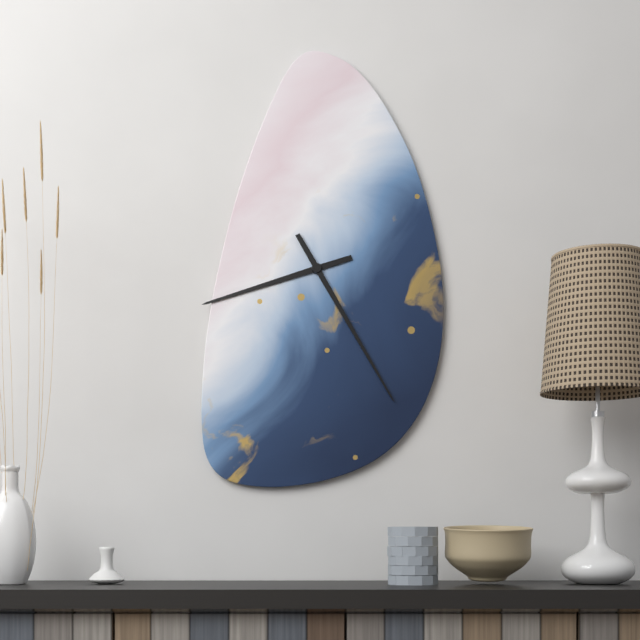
8,25
